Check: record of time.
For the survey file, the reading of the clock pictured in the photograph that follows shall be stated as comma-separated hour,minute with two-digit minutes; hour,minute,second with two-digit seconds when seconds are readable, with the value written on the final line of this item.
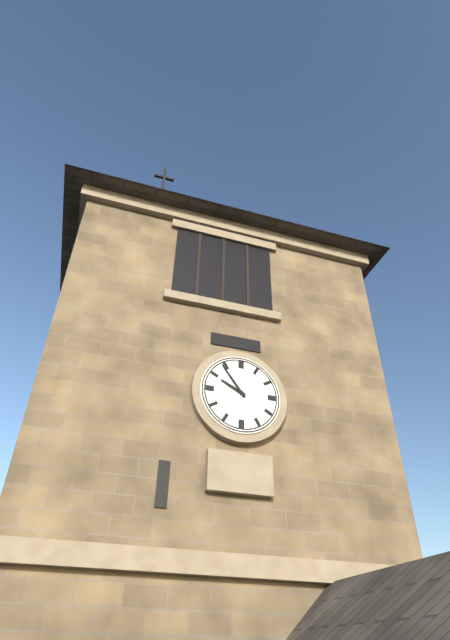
9,54
